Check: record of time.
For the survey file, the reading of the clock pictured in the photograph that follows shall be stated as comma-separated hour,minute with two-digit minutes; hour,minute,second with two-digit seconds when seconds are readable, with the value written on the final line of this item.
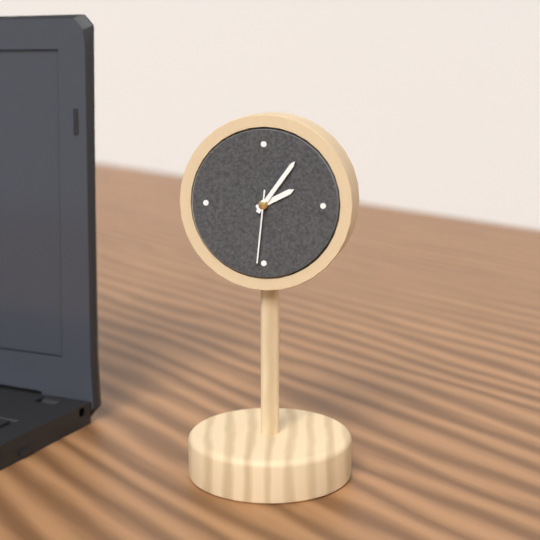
2,06,31
